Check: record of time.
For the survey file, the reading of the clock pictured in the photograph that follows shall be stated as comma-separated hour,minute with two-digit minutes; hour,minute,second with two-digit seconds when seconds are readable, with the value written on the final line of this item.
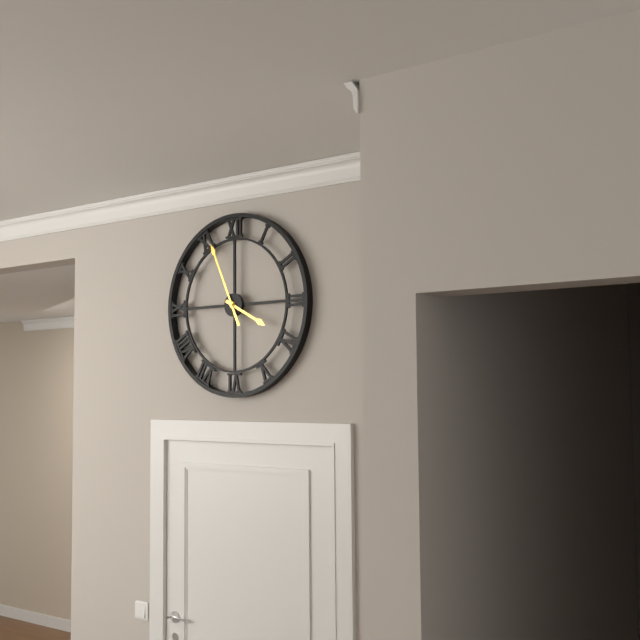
3,56
